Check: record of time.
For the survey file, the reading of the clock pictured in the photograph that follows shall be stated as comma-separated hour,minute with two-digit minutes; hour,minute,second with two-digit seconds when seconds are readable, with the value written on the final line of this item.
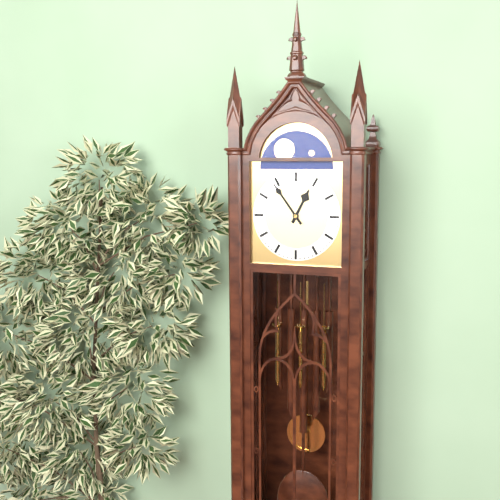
12,54
